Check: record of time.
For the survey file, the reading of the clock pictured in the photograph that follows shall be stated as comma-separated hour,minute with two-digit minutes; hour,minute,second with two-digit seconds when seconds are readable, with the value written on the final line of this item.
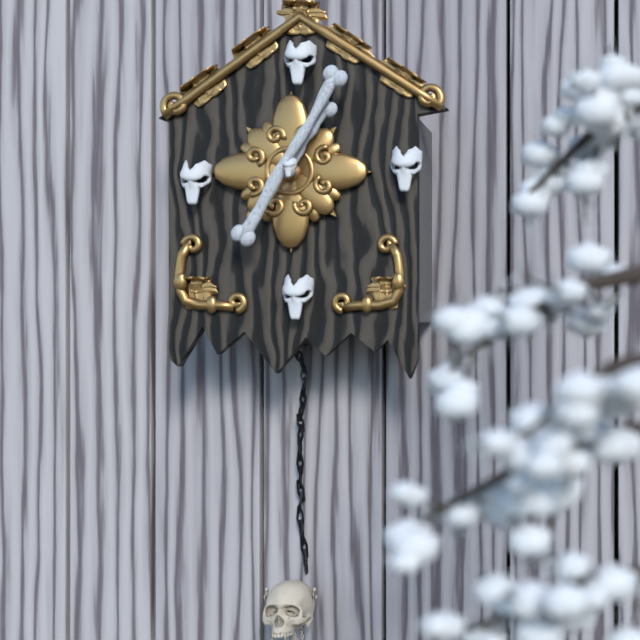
1,05
